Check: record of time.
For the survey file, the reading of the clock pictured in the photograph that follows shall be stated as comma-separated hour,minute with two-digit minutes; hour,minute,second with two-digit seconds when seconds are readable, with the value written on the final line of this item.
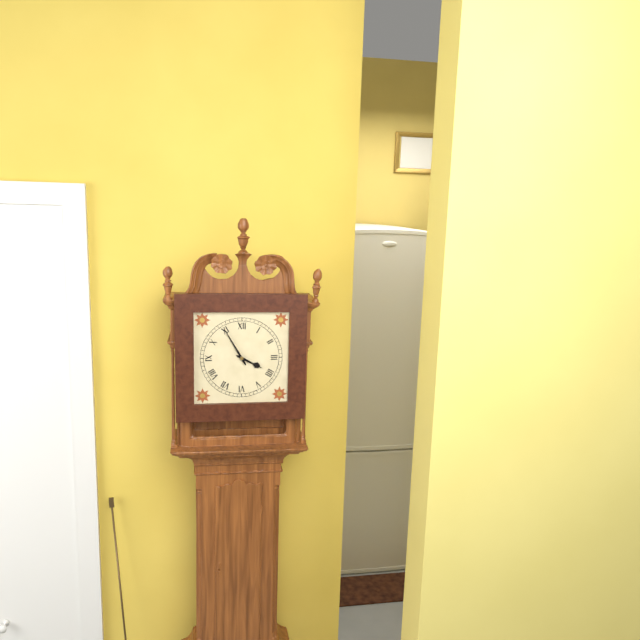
3,55
